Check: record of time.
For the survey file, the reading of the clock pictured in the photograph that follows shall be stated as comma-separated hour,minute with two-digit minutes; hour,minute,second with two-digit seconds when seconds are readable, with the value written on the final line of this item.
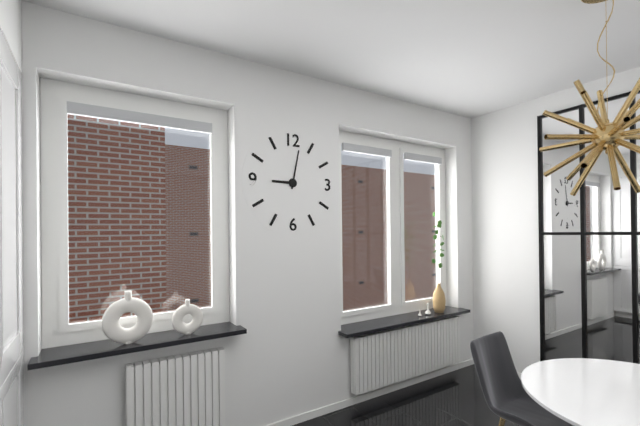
9,02
